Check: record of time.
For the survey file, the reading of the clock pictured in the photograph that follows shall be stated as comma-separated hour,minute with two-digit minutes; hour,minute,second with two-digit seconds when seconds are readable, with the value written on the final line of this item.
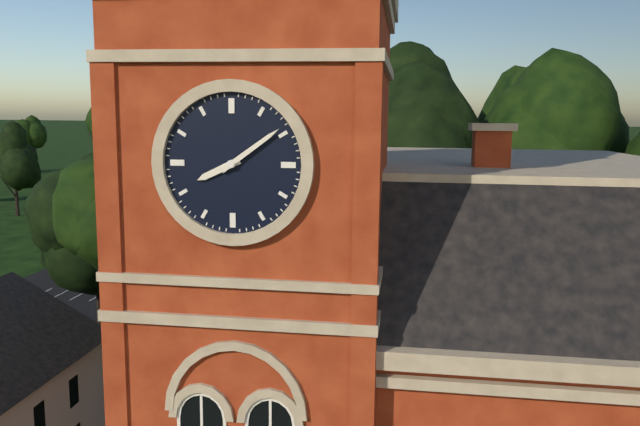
8,09
